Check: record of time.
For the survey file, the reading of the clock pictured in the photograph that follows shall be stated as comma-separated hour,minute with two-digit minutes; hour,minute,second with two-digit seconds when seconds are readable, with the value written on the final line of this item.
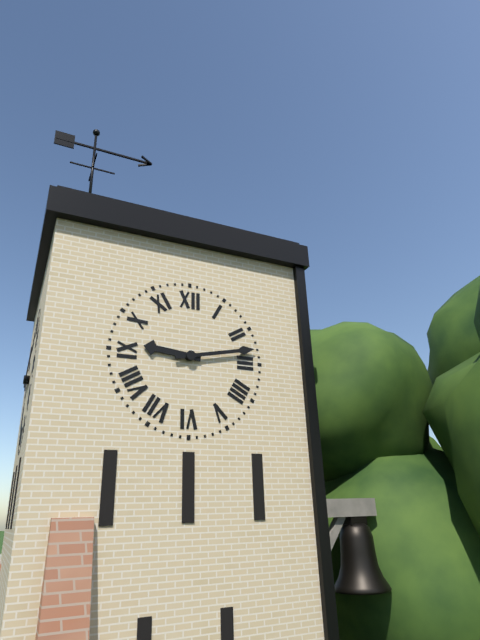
9,13
